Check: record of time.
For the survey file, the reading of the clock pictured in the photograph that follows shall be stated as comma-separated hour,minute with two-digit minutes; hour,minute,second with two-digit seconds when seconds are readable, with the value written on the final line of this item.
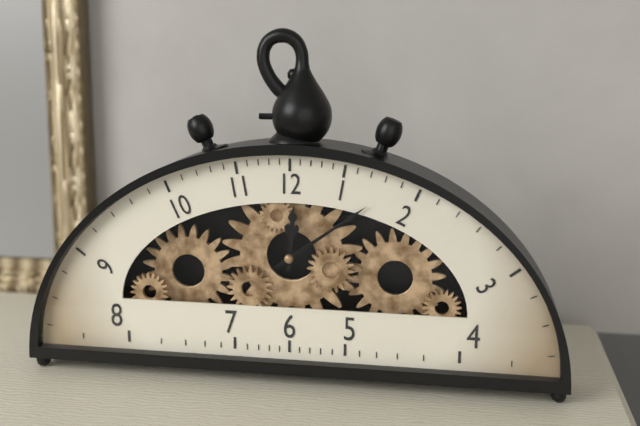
12,09
